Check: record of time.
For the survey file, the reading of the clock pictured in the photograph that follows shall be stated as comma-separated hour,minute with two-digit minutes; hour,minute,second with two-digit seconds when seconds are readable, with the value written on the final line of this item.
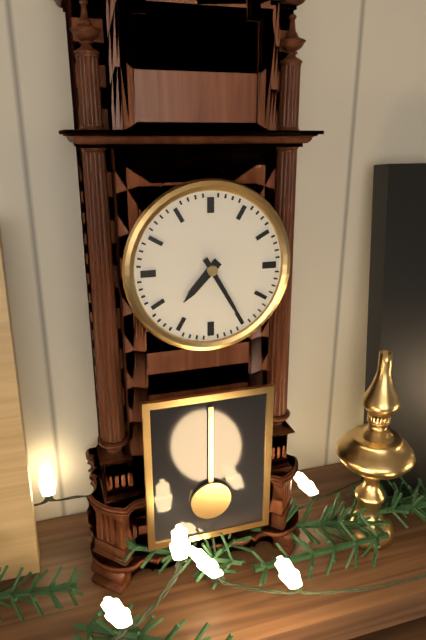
7,25
